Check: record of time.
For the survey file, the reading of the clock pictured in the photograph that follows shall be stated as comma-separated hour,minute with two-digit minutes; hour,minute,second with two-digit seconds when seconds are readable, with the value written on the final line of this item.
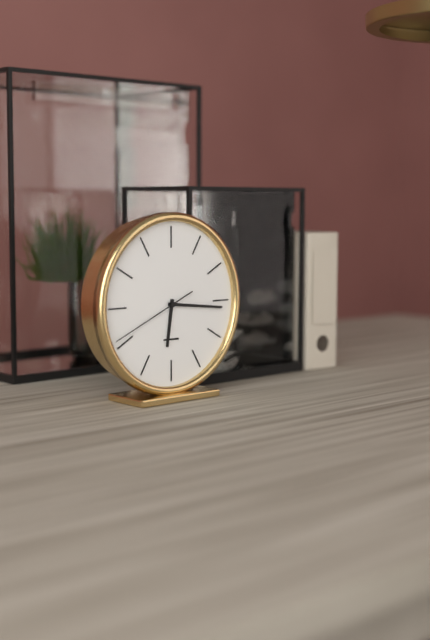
6,16,41
